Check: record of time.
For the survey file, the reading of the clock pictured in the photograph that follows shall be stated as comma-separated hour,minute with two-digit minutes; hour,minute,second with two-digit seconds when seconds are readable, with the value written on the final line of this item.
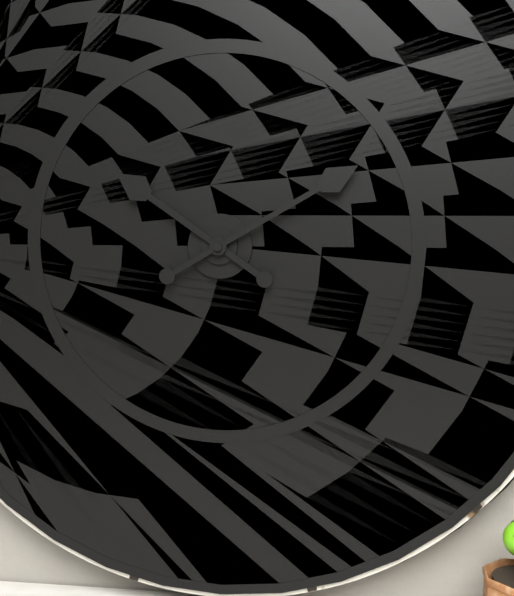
10,10
